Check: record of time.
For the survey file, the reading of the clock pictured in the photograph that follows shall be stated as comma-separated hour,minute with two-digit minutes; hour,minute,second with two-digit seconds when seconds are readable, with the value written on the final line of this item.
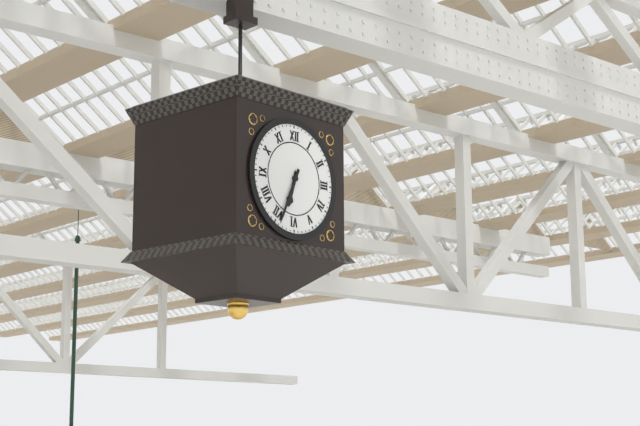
6,34
